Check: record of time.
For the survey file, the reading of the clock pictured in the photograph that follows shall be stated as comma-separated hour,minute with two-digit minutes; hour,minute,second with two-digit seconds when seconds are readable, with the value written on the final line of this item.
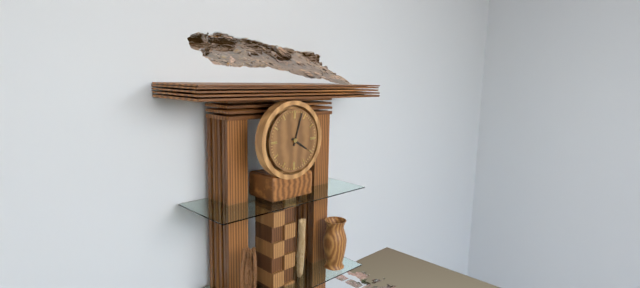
4,03
